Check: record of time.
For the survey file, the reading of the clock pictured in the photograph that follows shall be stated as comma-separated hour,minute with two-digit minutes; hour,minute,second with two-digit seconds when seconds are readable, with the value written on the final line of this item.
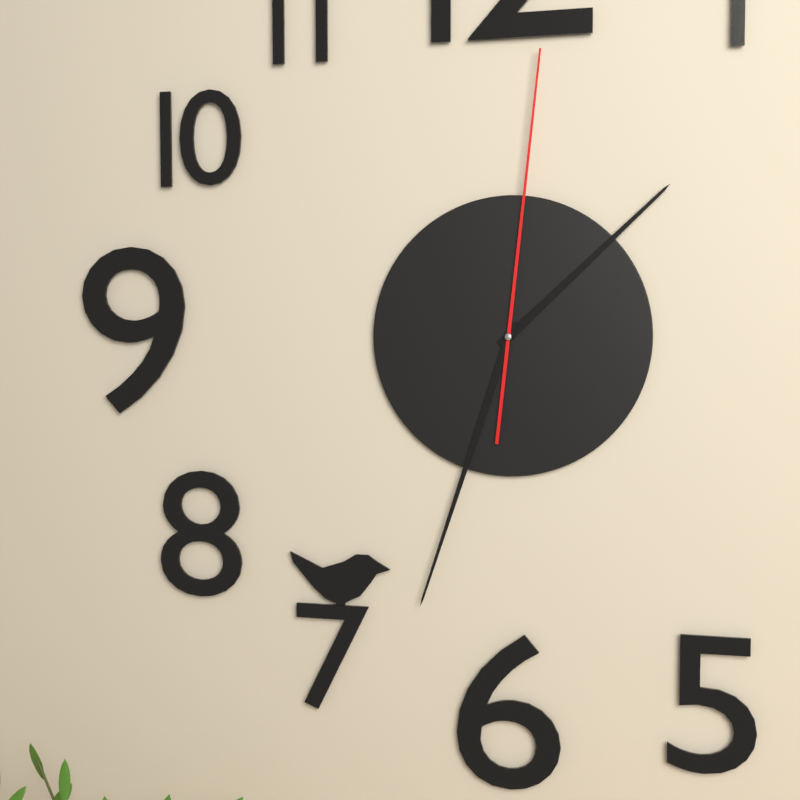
1,33,01
